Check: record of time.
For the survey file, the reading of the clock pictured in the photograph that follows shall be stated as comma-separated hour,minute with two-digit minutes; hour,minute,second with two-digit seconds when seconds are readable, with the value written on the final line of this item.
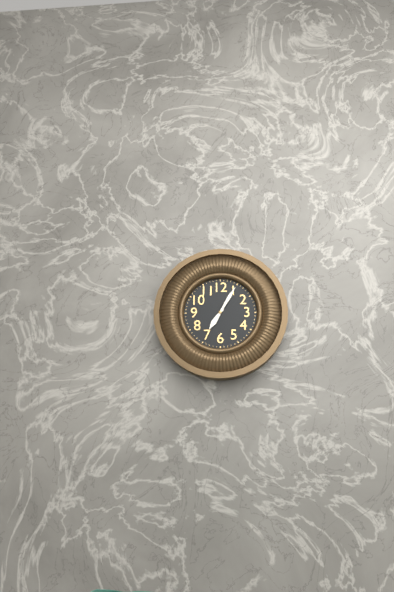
7,05
